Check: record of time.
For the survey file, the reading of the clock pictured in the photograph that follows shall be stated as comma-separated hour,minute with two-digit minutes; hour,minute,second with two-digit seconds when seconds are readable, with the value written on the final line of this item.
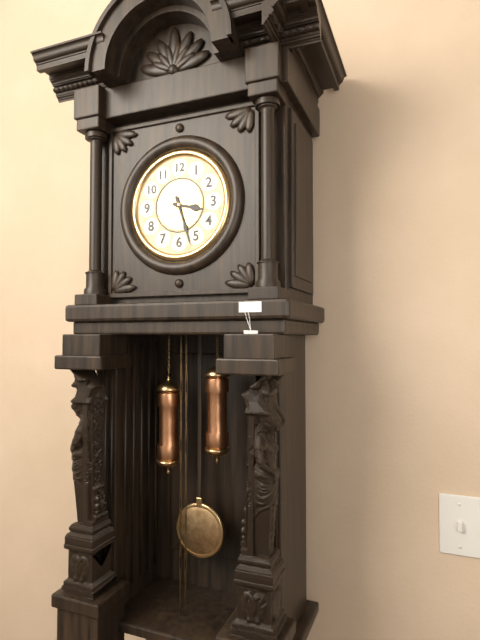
3,27
